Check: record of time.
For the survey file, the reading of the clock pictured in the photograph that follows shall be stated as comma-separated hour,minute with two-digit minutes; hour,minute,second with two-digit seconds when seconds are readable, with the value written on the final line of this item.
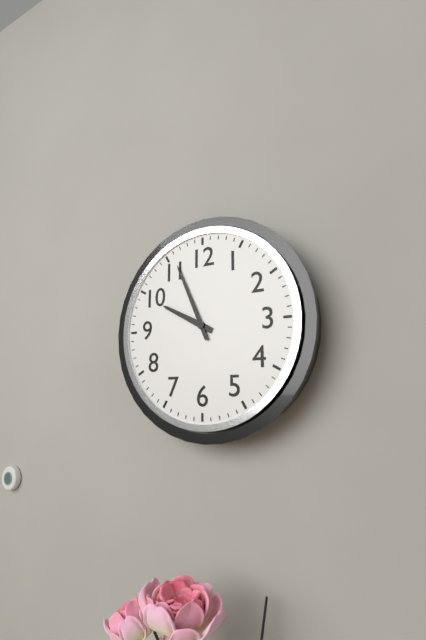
9,56
